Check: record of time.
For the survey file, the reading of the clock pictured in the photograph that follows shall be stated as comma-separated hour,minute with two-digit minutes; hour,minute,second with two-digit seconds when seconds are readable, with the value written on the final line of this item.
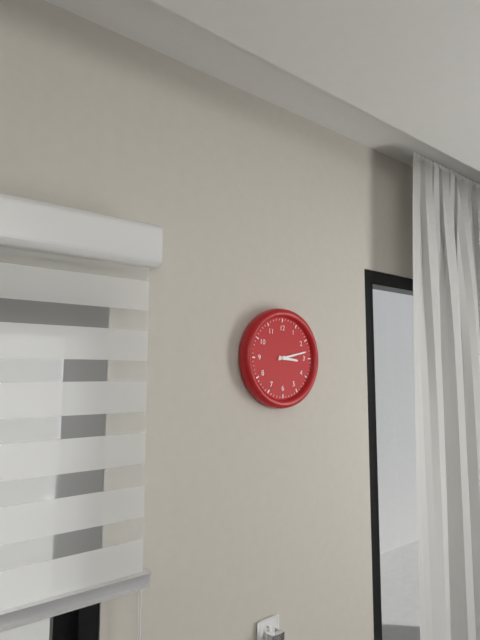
3,13
